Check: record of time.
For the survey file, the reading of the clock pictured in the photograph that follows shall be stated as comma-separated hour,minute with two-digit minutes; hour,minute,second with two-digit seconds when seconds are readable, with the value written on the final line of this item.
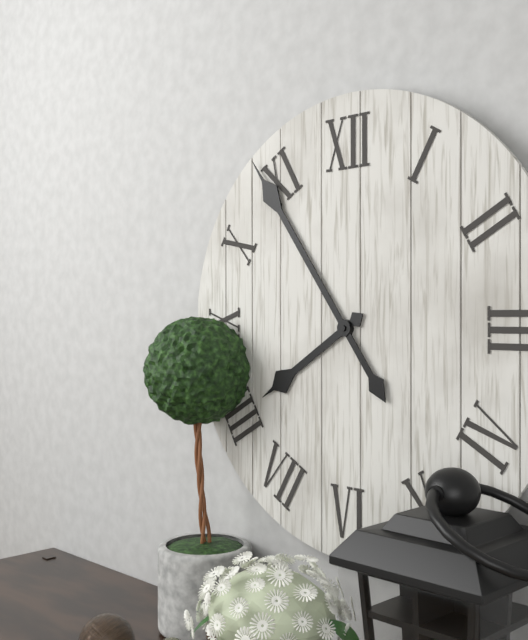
7,54
